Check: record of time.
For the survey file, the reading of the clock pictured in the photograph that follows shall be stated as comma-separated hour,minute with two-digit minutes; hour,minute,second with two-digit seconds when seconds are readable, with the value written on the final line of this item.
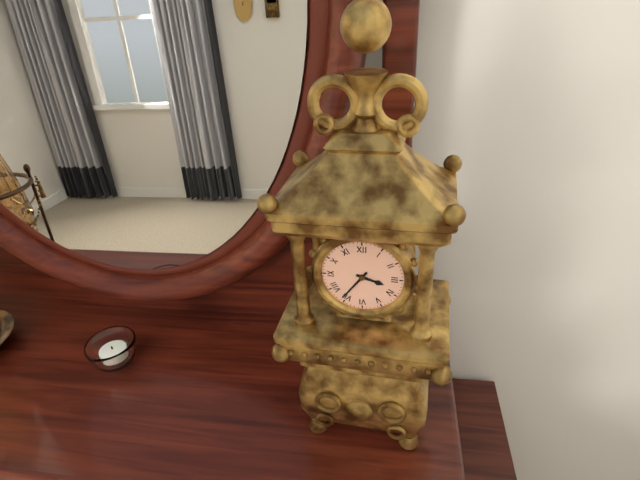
3,36
